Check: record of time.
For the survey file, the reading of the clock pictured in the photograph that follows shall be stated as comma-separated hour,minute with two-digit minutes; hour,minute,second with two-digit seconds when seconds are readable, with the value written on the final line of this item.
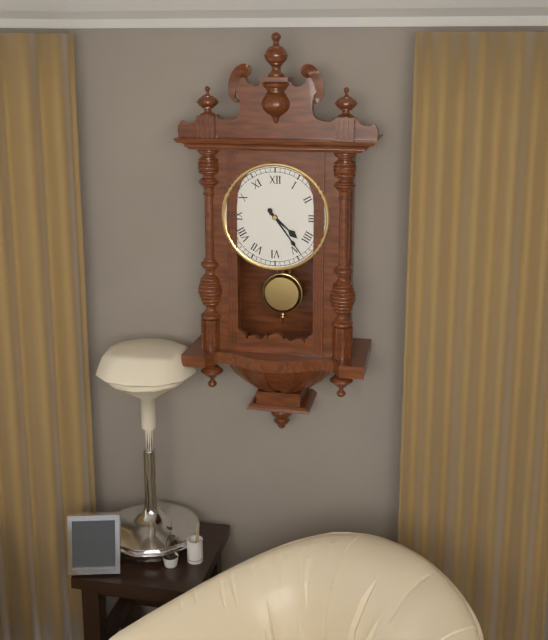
4,24
